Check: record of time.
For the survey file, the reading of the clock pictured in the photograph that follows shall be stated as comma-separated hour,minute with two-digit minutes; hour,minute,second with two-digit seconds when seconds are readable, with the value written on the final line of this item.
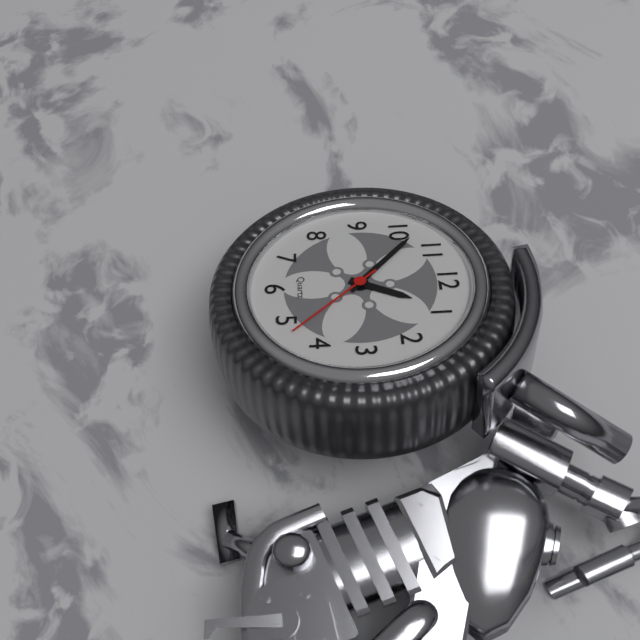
12,52,23
